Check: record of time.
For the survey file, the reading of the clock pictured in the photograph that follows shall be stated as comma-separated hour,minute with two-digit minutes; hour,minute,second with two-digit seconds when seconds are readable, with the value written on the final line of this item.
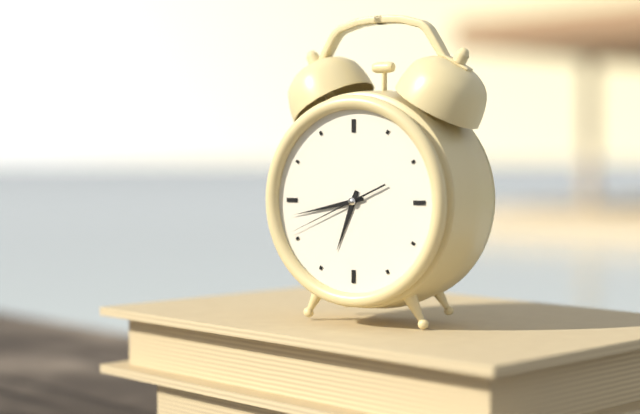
6,43,41
